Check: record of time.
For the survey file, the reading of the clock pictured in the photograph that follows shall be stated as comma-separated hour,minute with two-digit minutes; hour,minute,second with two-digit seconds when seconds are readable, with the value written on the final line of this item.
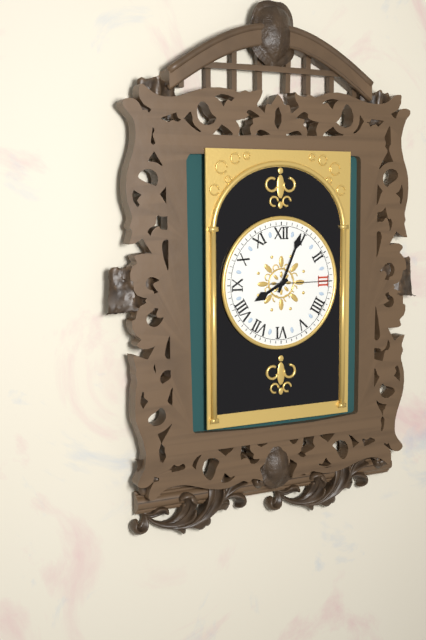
8,04,15
